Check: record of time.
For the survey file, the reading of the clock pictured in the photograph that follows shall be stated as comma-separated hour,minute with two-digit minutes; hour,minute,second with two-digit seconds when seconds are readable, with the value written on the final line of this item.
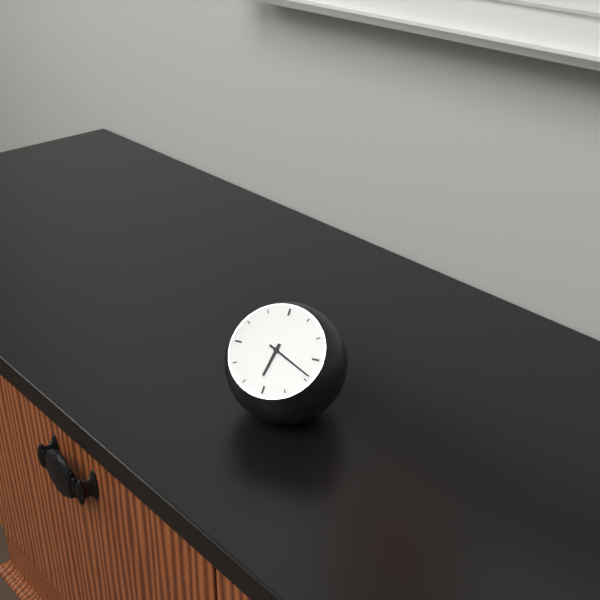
6,19
